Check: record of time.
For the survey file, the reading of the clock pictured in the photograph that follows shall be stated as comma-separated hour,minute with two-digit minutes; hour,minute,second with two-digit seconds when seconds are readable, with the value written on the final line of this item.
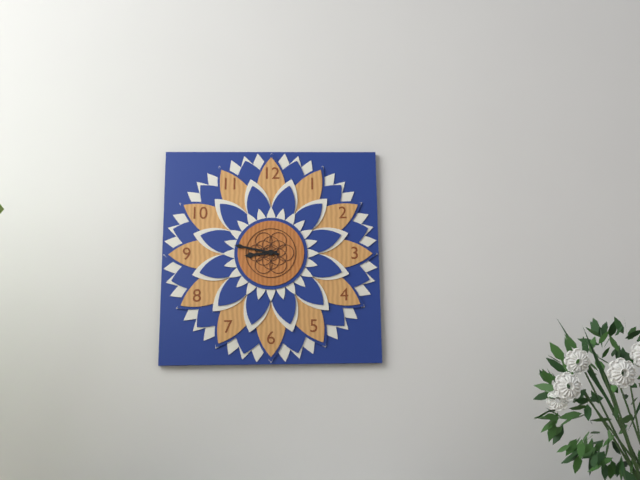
8,47
